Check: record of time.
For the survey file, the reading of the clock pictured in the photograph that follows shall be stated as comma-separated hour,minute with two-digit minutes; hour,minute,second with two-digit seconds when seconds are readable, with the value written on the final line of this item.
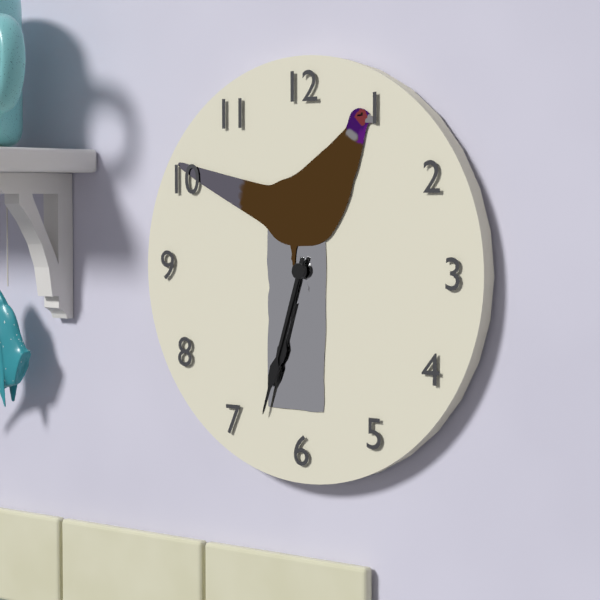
6,33
